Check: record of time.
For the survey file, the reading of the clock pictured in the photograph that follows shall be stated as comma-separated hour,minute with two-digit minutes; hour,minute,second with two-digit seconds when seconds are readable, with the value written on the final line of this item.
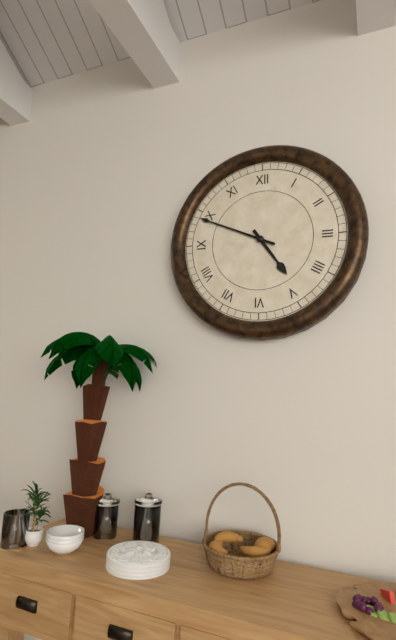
4,49
